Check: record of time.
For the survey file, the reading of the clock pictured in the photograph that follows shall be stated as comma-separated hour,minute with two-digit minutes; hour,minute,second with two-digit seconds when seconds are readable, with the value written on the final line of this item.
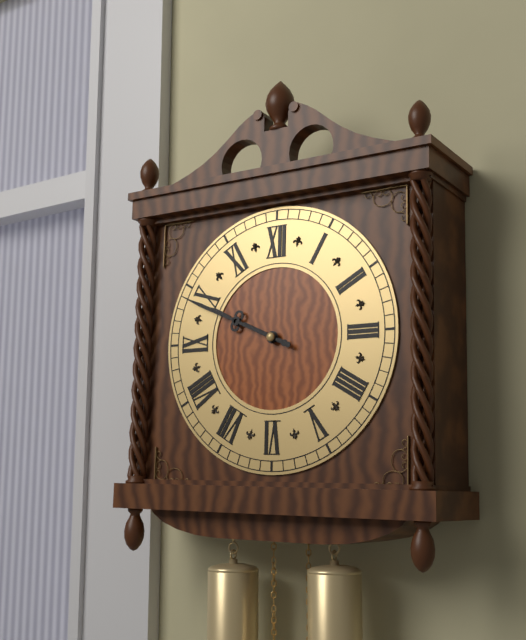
9,49
